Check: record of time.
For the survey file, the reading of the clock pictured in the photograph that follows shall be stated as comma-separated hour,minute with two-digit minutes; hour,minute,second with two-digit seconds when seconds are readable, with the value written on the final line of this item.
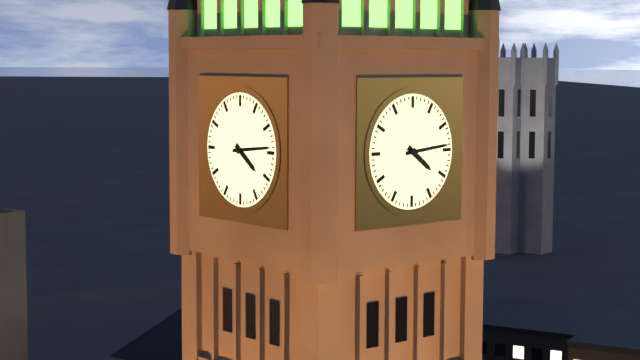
4,14
